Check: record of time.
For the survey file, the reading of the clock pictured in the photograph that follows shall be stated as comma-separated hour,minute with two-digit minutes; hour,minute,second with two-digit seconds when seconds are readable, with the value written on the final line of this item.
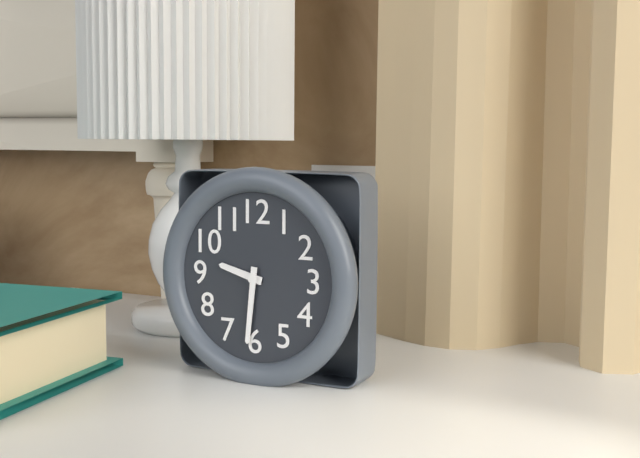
9,31
